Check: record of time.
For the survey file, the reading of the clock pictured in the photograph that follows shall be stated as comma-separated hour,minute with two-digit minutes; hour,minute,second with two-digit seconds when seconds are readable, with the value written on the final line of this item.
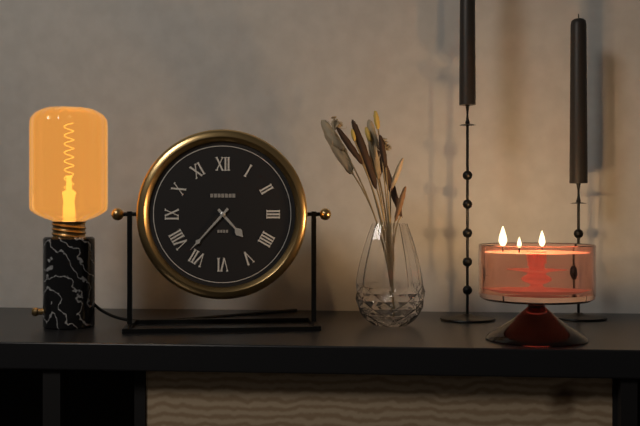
4,37
